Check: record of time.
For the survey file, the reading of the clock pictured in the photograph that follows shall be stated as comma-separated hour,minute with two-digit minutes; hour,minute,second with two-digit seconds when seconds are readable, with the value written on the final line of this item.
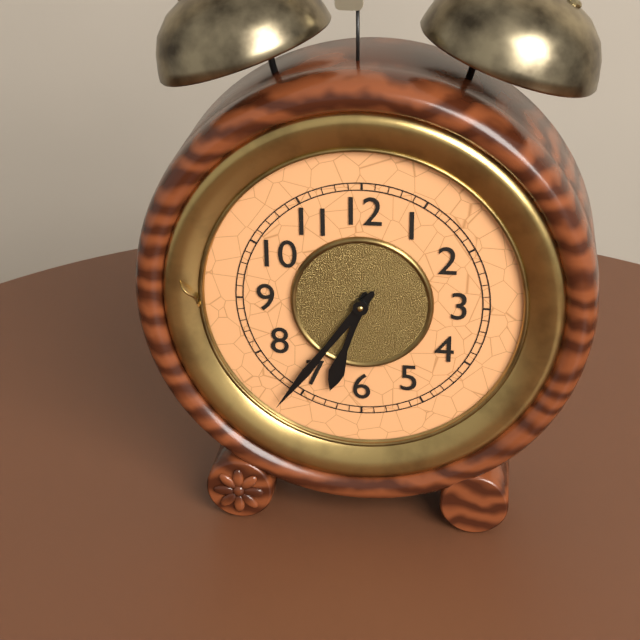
6,36
